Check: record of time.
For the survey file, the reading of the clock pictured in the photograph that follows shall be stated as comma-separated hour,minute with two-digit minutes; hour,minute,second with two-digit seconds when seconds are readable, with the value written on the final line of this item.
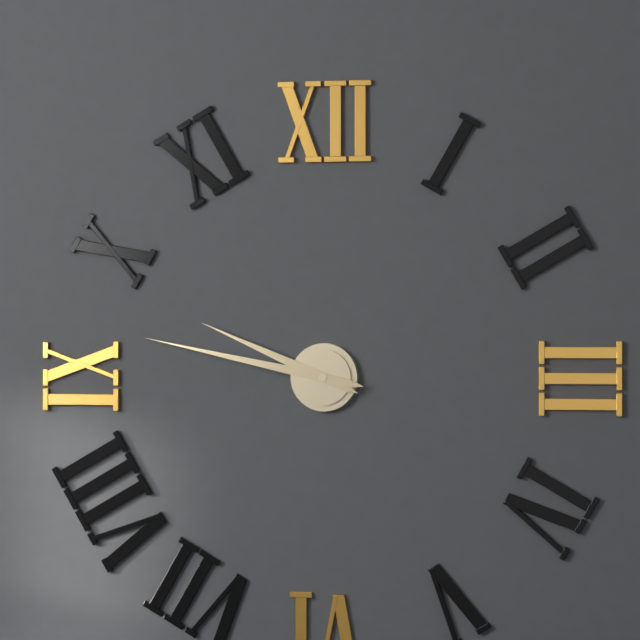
9,47
